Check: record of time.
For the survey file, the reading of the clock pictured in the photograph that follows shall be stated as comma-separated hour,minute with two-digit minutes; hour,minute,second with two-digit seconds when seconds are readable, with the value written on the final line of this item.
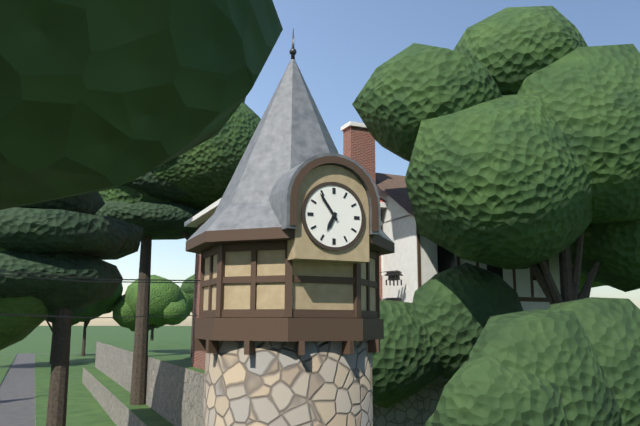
6,54
